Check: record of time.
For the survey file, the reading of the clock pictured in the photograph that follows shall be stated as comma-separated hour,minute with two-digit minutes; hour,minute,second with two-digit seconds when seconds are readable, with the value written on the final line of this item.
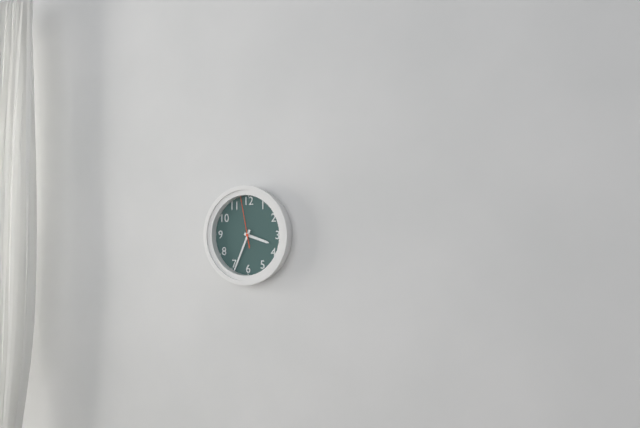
3,34,58
